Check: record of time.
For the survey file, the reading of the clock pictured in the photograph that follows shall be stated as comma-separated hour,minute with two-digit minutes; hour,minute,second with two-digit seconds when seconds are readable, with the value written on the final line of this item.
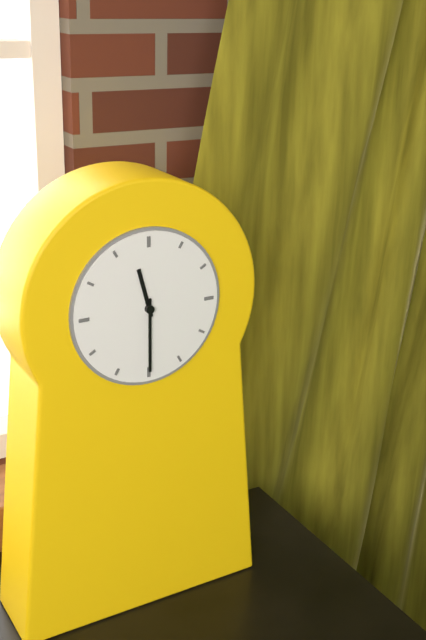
11,30
